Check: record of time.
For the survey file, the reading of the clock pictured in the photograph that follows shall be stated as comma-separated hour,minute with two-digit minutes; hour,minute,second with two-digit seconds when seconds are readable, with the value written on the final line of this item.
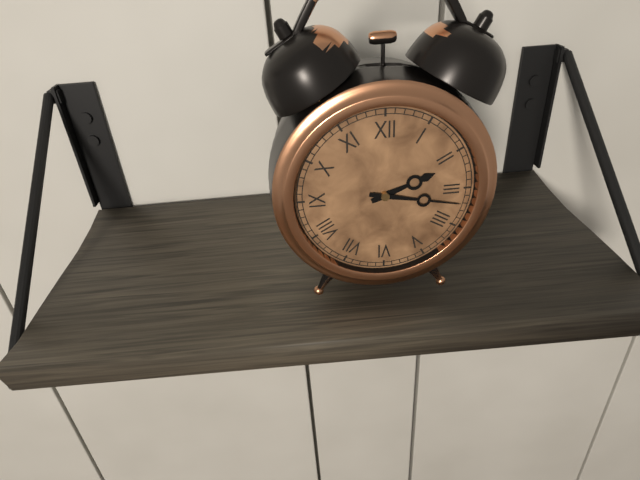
2,17
